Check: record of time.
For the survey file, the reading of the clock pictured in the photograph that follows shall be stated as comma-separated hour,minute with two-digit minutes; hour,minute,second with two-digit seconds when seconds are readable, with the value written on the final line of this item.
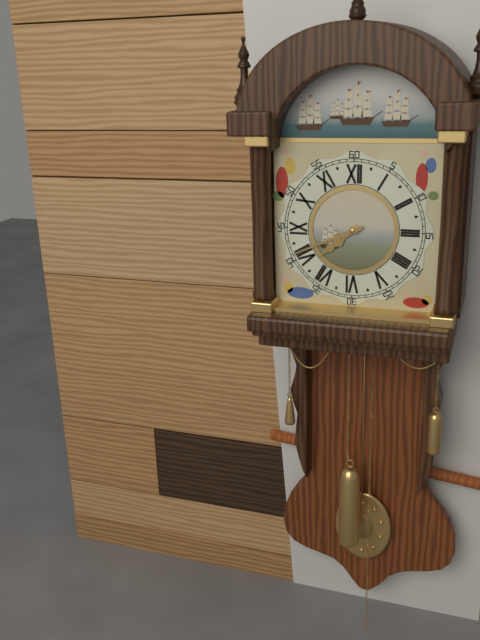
7,41
